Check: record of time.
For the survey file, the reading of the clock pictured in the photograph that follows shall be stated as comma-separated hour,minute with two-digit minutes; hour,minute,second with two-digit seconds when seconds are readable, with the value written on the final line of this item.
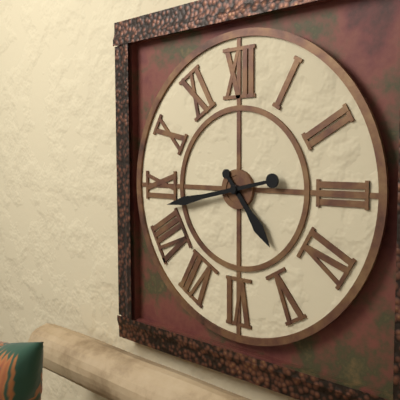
4,43
